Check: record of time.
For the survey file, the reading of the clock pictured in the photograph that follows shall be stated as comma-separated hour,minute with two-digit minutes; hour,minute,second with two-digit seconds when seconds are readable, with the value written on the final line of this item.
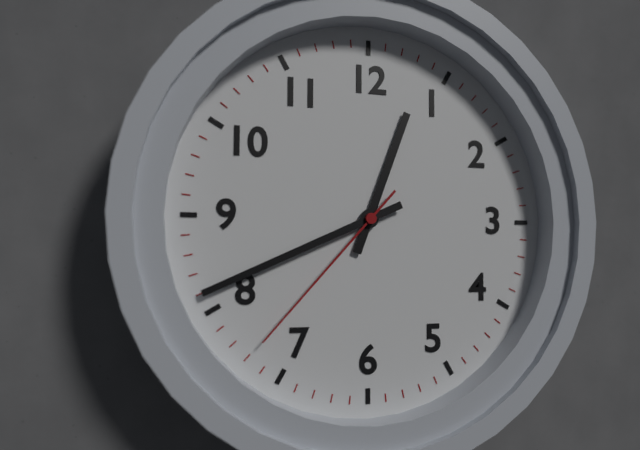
12,41,37
